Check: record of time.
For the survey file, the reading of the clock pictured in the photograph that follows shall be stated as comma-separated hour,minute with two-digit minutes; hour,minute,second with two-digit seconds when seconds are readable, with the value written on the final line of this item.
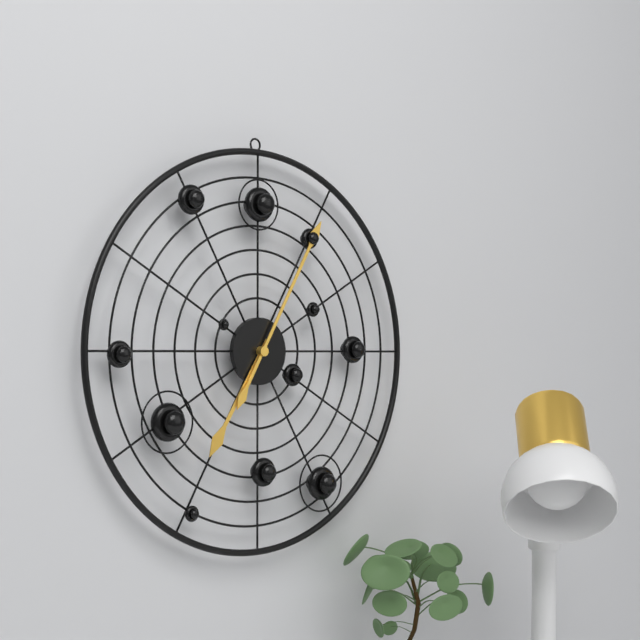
7,05
